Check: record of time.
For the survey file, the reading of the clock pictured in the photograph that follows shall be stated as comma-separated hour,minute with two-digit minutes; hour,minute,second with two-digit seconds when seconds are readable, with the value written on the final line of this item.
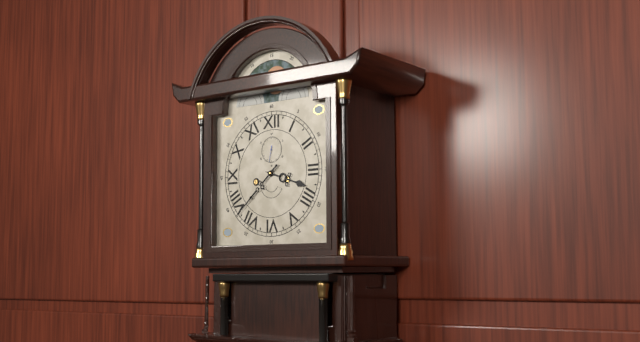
3,38
